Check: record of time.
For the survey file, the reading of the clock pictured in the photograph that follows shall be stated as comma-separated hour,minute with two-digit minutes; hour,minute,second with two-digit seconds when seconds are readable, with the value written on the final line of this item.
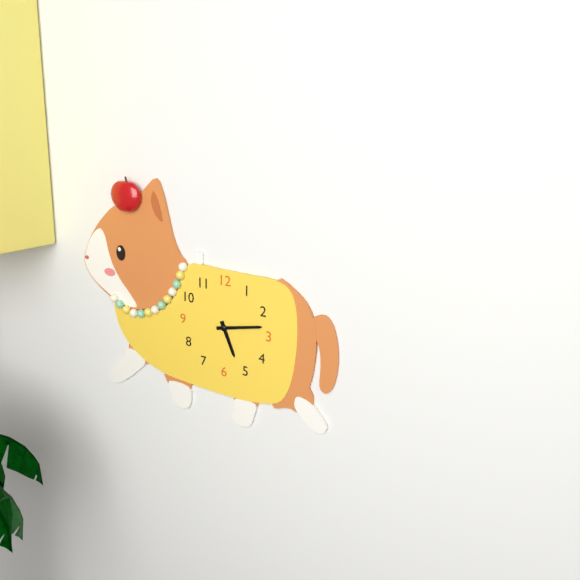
5,13
